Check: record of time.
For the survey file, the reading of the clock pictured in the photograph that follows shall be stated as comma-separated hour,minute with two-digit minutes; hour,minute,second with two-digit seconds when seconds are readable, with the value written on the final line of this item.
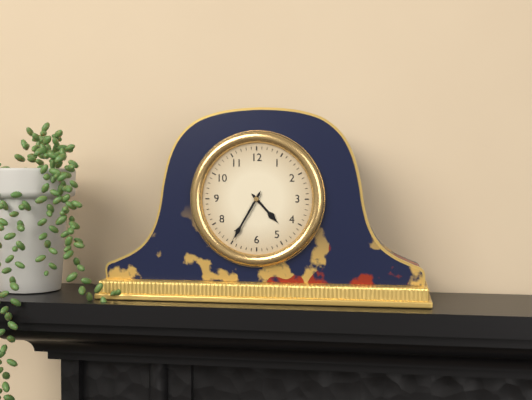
4,35
